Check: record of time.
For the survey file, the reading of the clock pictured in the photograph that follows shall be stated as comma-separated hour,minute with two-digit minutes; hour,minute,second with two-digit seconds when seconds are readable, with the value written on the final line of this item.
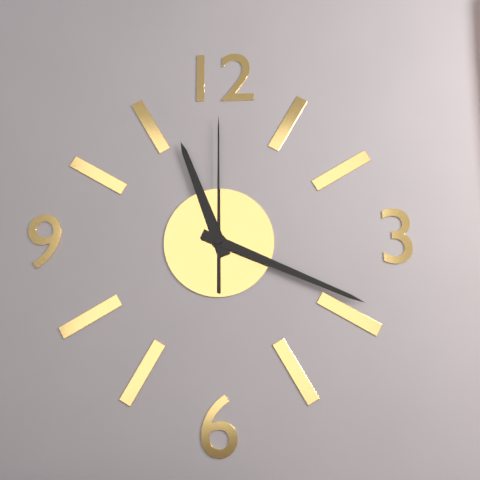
11,19,00
